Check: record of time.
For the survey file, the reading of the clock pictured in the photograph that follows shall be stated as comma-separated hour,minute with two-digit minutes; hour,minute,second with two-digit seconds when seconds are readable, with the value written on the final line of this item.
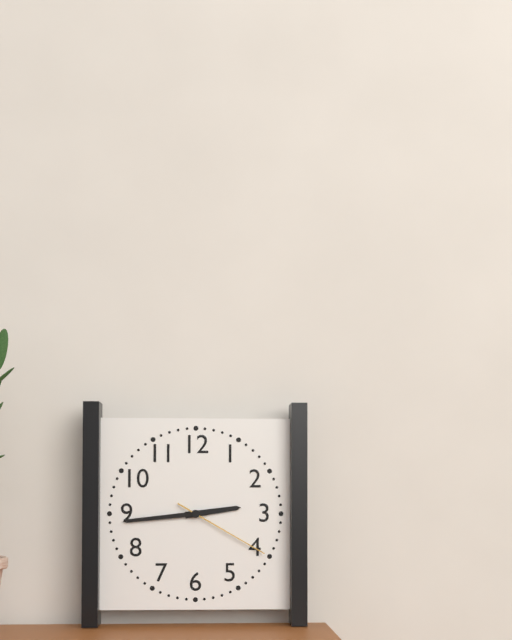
2,44,20
